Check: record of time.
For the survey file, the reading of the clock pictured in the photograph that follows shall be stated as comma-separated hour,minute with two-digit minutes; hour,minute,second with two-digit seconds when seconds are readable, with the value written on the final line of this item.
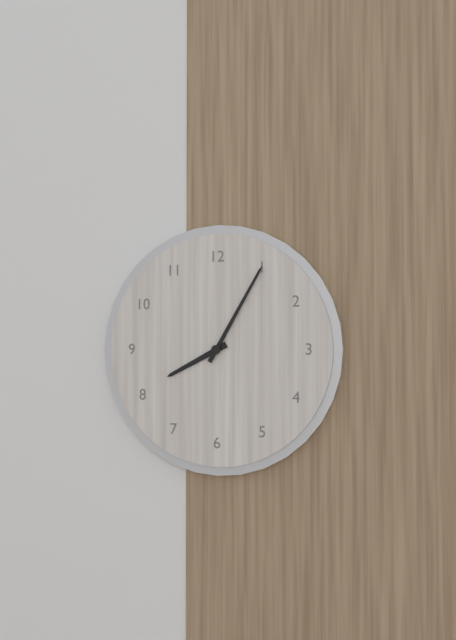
8,05
